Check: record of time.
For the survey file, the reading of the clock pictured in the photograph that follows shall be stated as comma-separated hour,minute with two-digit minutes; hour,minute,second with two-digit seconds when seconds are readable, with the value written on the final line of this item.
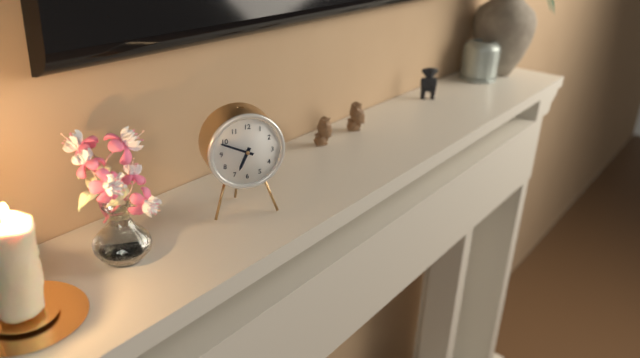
6,49
